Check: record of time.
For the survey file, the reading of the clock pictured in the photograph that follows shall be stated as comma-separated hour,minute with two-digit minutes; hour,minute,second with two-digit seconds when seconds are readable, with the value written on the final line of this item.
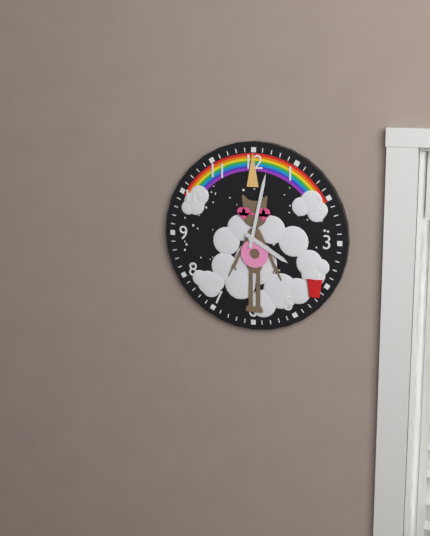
4,02
